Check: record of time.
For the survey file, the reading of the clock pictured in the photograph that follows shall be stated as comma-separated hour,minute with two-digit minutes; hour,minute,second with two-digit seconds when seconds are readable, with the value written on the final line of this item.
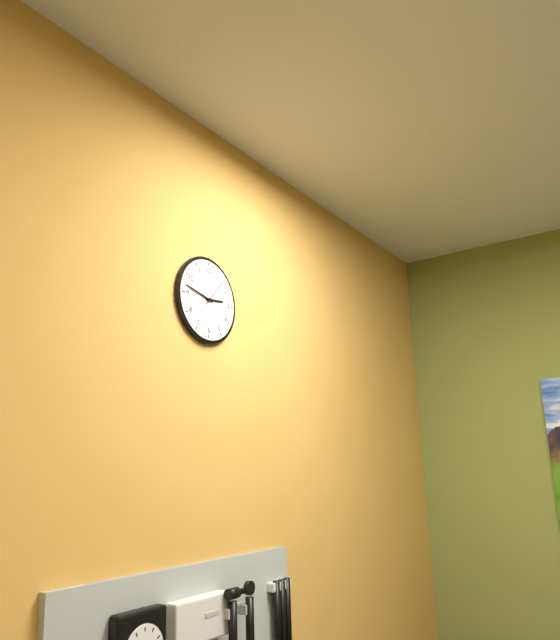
2,47
